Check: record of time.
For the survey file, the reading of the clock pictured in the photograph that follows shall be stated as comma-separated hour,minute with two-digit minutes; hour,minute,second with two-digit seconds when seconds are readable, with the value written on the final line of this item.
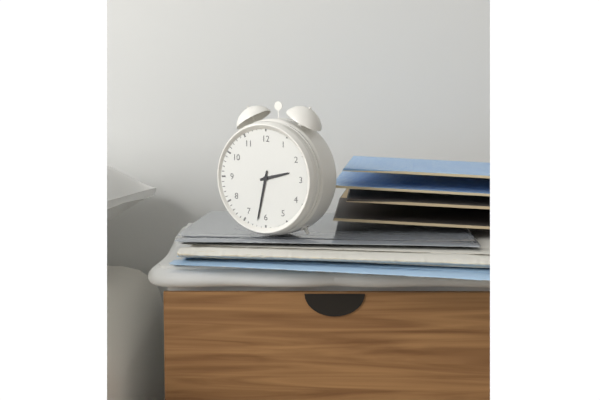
2,32
